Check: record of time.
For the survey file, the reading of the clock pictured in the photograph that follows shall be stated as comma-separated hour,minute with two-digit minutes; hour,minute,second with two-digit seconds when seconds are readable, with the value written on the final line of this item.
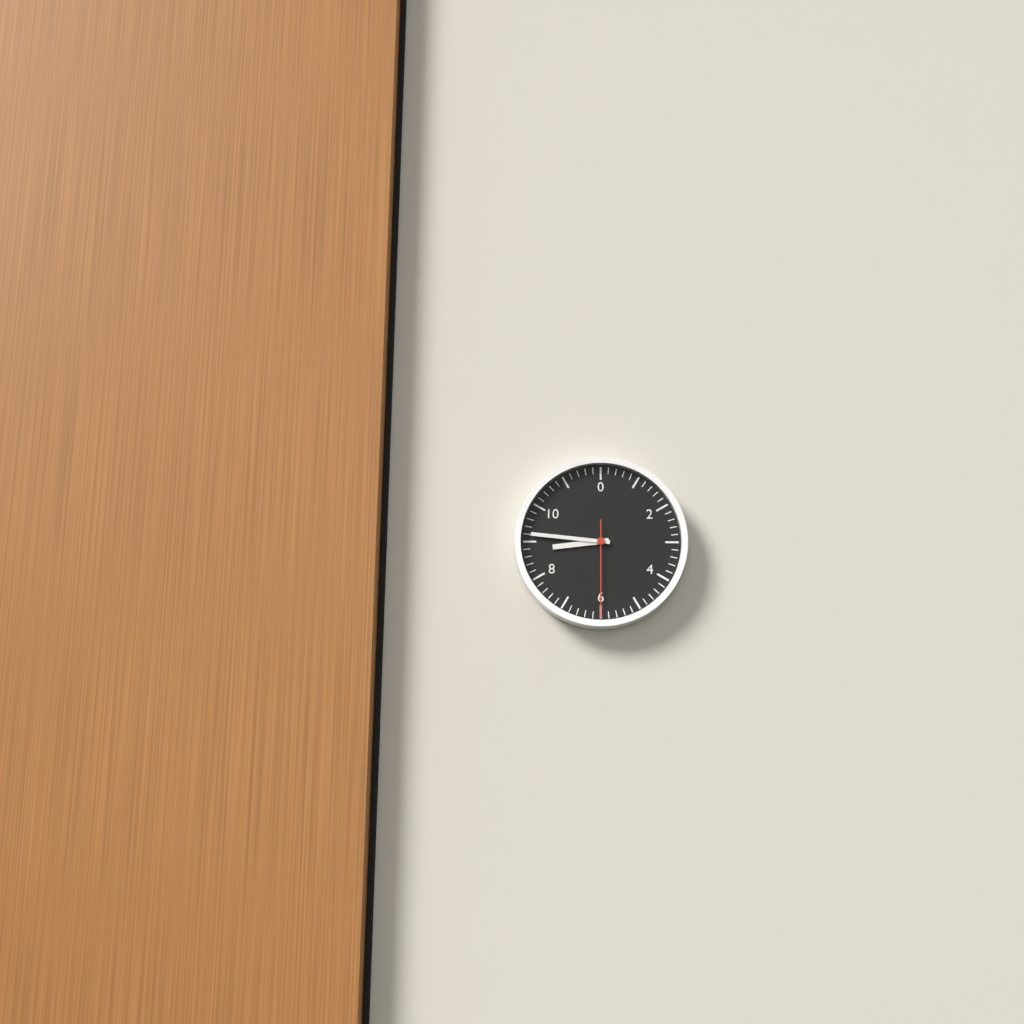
8,46,30
